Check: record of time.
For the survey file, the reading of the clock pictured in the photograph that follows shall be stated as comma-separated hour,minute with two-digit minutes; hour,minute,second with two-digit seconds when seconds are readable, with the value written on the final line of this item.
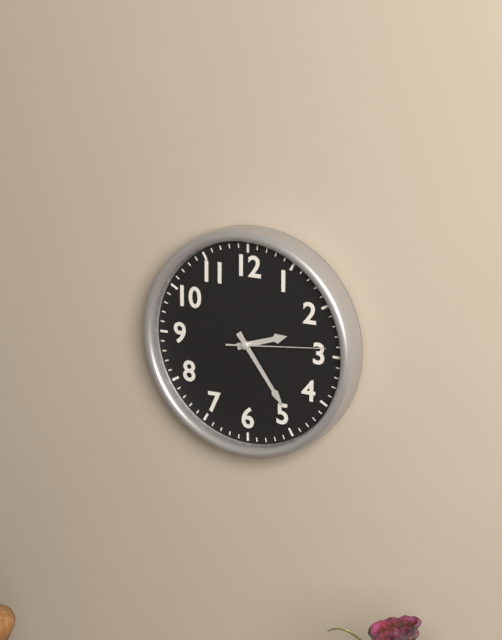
2,24,14
